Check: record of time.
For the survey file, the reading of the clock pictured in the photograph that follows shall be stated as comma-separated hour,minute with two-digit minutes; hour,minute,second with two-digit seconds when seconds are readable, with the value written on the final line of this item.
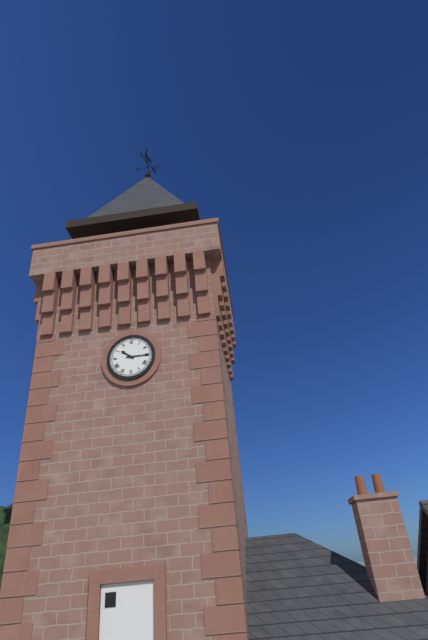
10,15
